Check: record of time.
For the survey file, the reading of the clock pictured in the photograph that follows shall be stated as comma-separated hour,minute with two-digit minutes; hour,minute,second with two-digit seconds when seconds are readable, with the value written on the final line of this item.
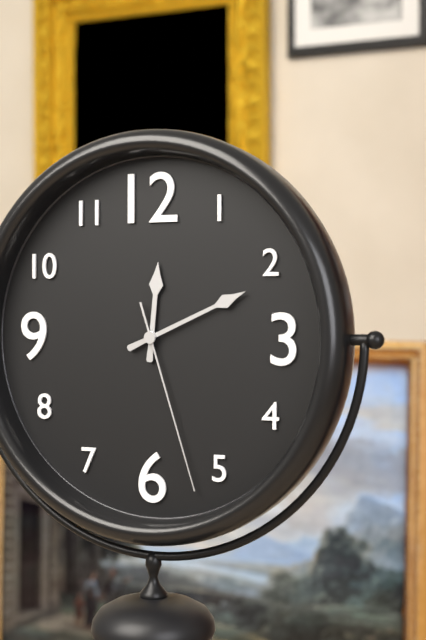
12,11,27
